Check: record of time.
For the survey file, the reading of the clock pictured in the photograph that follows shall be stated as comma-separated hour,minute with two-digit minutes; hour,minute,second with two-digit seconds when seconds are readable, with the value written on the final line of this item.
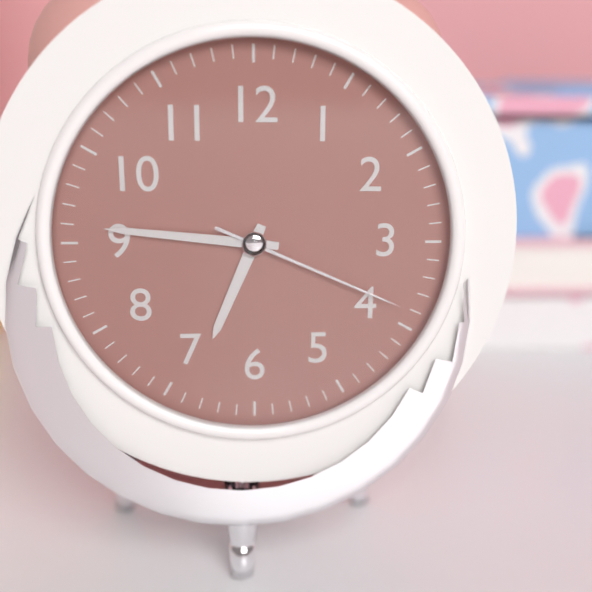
6,46,19
